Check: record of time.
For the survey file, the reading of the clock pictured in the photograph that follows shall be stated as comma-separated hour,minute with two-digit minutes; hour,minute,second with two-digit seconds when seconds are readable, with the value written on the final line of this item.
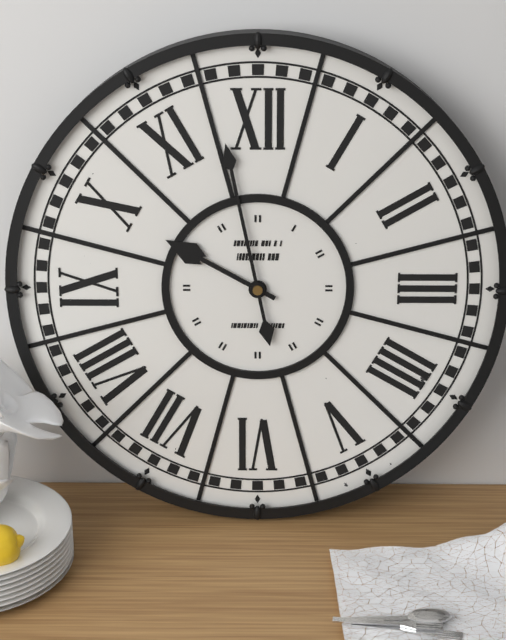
9,58
